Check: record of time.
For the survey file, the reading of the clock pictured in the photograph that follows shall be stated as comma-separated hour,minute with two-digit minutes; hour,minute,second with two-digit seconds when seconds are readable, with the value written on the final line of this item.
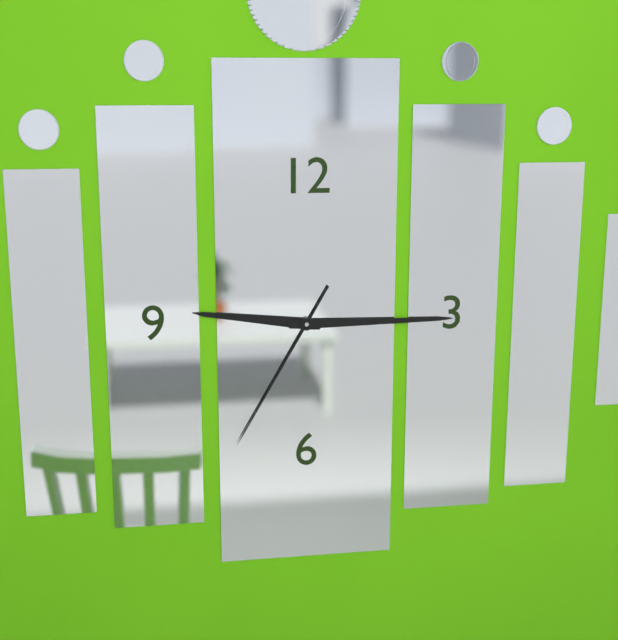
9,15,35
